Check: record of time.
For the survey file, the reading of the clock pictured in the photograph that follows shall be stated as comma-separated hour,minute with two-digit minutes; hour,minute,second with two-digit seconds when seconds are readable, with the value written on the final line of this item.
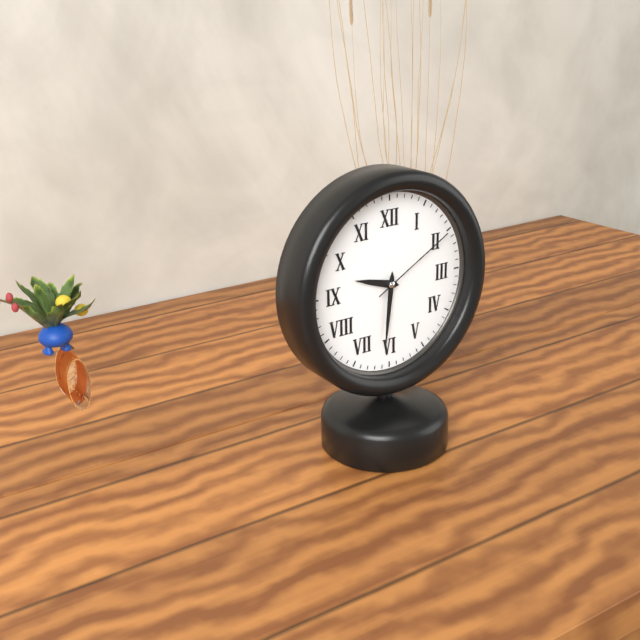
9,31,10
